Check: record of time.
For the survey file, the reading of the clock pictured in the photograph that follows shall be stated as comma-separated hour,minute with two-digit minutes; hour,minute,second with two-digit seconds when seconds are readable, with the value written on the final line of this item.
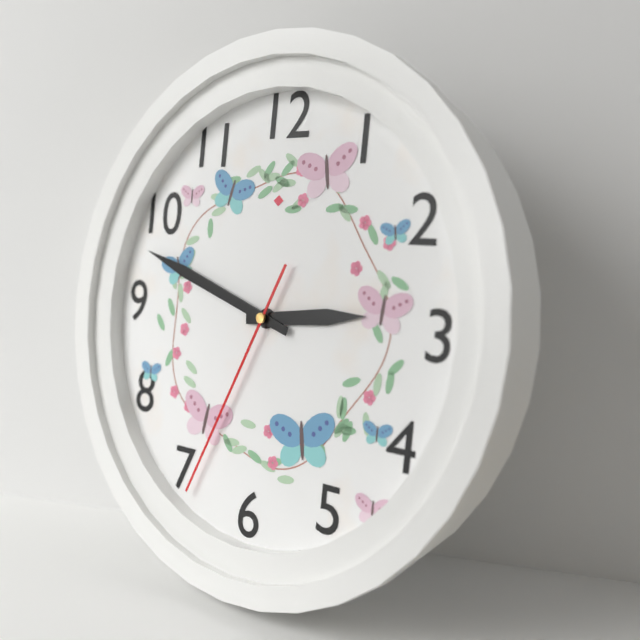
2,48,34
